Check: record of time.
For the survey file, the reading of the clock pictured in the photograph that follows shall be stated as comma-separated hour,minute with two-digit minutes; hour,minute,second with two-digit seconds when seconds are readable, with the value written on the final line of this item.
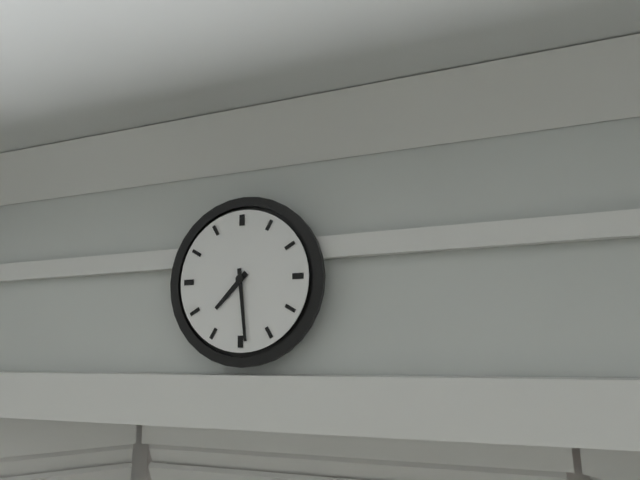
7,29
